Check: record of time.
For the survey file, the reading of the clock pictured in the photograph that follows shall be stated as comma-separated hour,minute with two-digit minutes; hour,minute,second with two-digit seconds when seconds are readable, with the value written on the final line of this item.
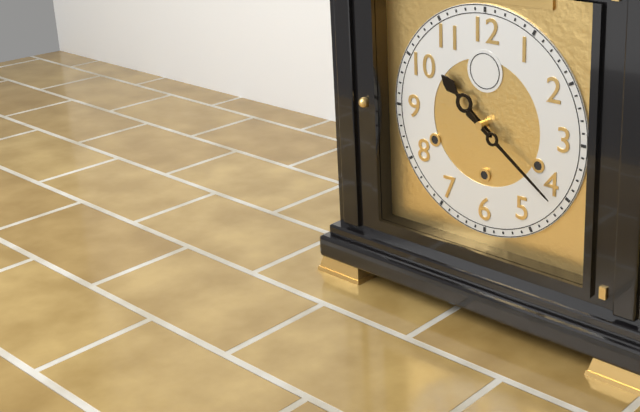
10,21
